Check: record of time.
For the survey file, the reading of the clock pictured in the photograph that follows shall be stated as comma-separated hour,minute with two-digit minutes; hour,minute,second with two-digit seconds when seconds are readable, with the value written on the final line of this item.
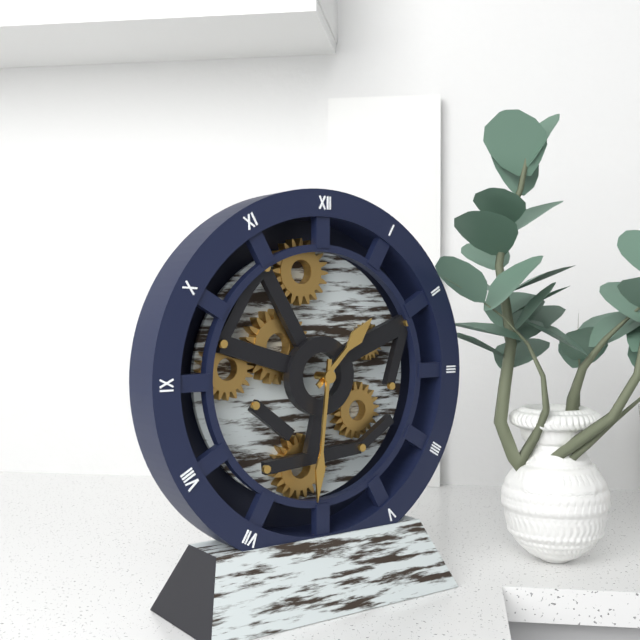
1,31
